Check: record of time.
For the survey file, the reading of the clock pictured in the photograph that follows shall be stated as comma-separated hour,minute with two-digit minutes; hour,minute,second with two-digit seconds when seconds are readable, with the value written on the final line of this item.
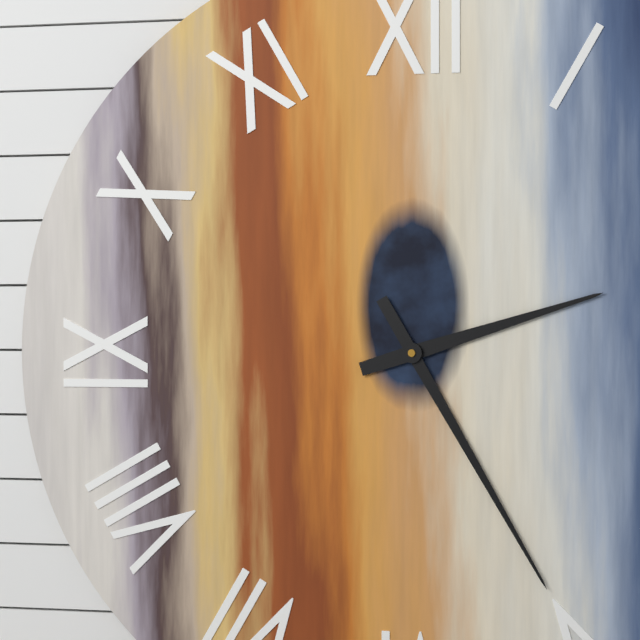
2,25
